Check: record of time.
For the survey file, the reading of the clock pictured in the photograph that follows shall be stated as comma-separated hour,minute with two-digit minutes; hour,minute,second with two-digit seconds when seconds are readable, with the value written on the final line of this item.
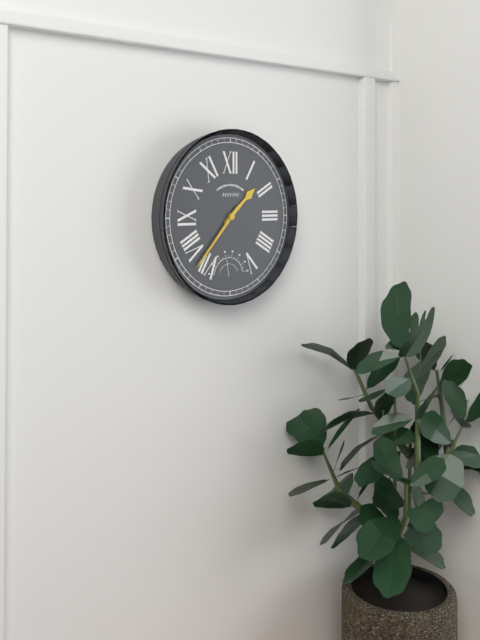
1,37
